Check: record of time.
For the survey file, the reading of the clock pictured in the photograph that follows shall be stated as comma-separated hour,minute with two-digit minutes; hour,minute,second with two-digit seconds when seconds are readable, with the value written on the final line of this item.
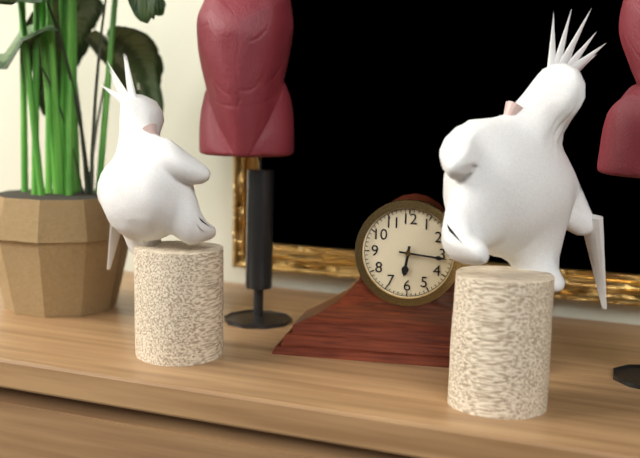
6,16
